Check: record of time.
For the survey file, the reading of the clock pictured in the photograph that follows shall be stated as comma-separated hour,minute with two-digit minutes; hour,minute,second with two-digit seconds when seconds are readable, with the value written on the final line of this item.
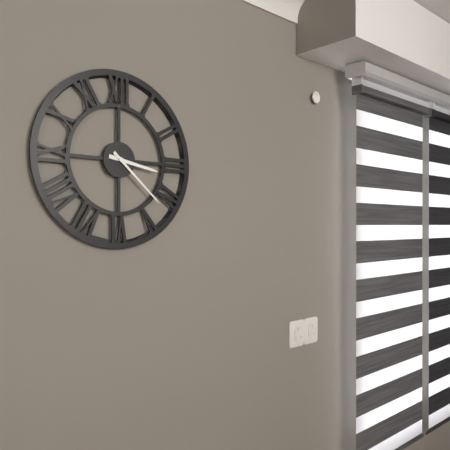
3,22
